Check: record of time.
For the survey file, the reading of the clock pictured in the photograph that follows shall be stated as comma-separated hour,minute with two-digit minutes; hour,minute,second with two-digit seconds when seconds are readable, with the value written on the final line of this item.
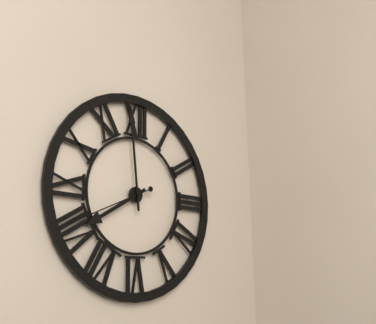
7,59,41
